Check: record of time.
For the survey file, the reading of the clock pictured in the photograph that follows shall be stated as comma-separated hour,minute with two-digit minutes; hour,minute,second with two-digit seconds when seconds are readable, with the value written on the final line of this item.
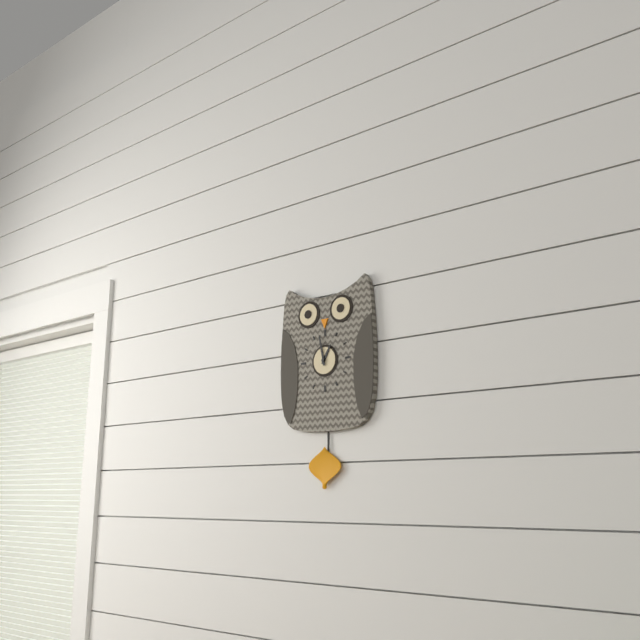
12,58
